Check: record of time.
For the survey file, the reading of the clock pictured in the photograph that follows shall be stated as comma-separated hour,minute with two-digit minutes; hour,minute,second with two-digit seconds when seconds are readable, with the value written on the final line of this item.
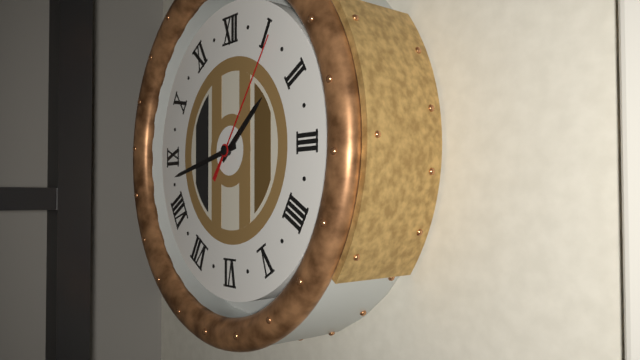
1,43,06
